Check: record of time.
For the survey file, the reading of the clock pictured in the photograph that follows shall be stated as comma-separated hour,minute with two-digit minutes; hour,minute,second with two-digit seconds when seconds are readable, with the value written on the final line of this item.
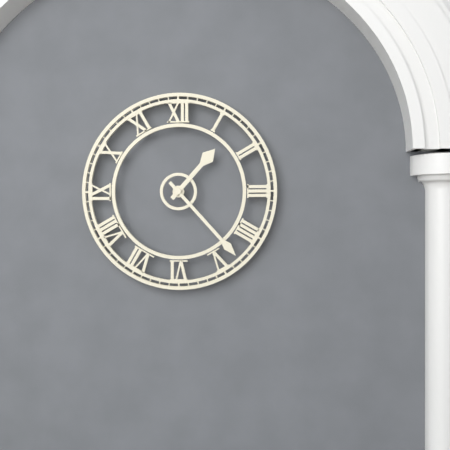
1,23
